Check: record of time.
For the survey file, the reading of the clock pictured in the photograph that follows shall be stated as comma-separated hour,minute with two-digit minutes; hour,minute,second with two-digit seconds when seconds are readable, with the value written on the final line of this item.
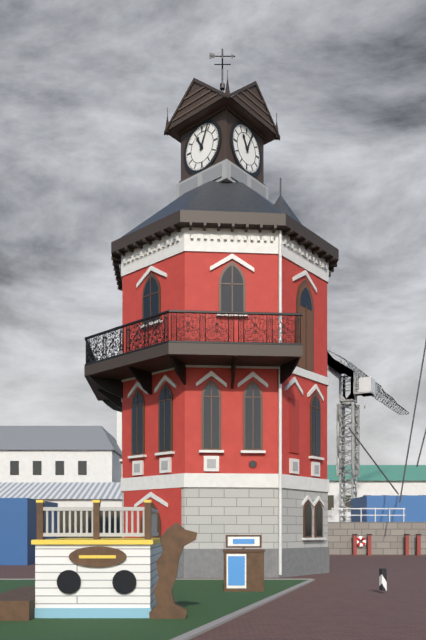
11,04
